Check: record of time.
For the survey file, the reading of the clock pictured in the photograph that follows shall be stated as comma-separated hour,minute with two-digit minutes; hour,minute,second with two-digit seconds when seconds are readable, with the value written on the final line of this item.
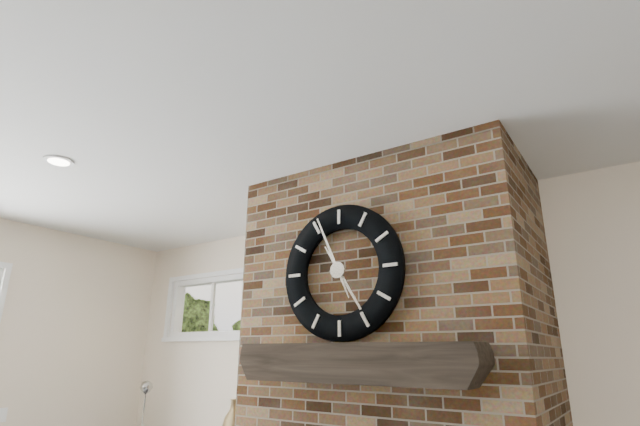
4,56
